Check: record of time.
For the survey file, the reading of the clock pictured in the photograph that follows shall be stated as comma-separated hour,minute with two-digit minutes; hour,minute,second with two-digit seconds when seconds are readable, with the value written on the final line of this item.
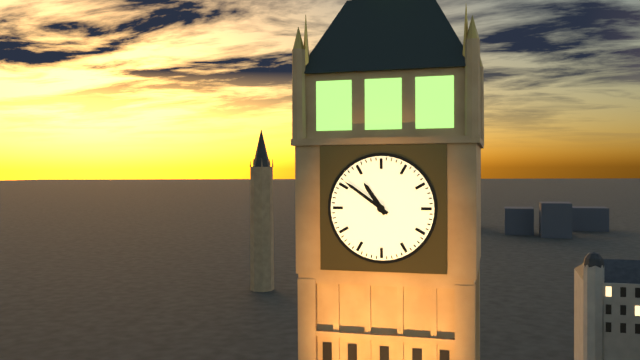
10,51
